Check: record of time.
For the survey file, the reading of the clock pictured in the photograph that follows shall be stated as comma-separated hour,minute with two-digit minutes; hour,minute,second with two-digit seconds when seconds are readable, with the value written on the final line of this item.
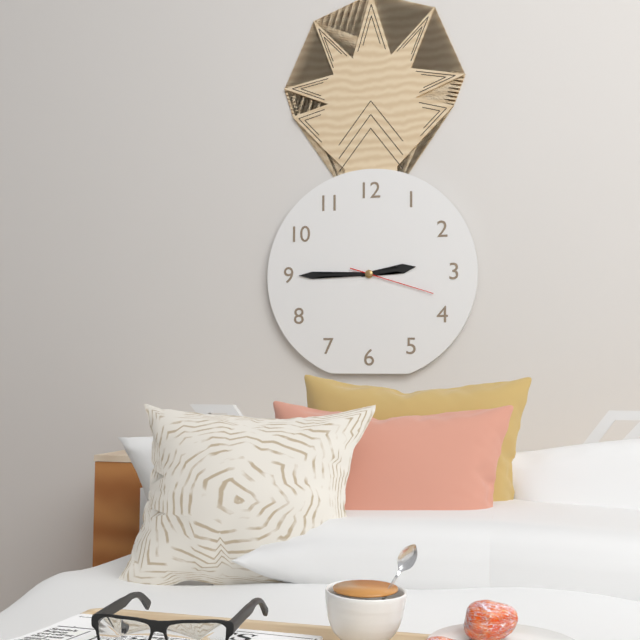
2,45,18
